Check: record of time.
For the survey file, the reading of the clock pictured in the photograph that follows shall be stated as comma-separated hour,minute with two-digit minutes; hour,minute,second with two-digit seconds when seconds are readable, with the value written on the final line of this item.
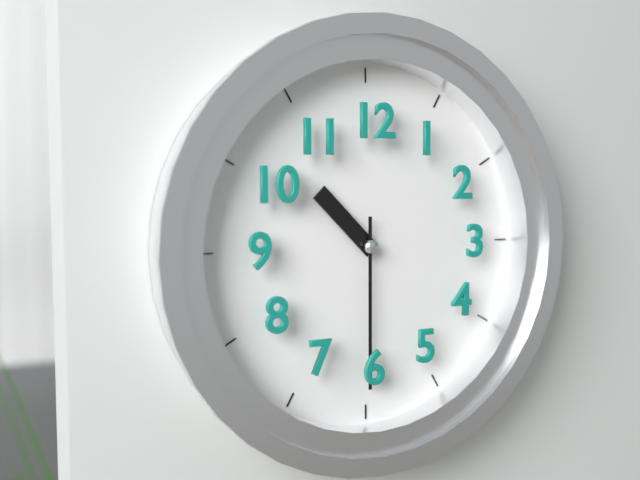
10,30
